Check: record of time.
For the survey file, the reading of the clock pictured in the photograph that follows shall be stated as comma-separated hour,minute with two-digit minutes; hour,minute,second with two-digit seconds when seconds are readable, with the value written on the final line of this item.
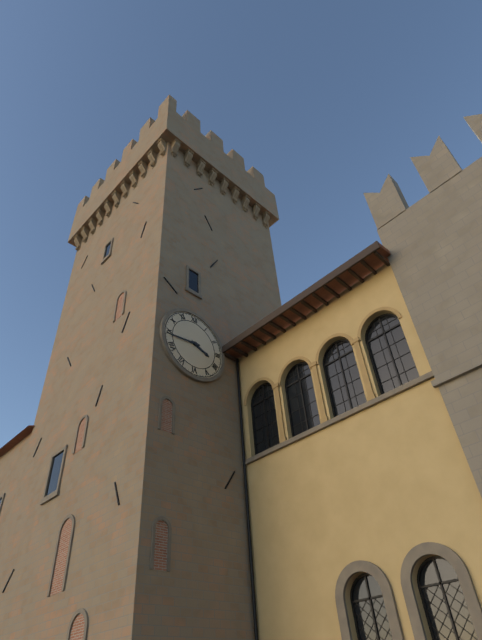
3,44
